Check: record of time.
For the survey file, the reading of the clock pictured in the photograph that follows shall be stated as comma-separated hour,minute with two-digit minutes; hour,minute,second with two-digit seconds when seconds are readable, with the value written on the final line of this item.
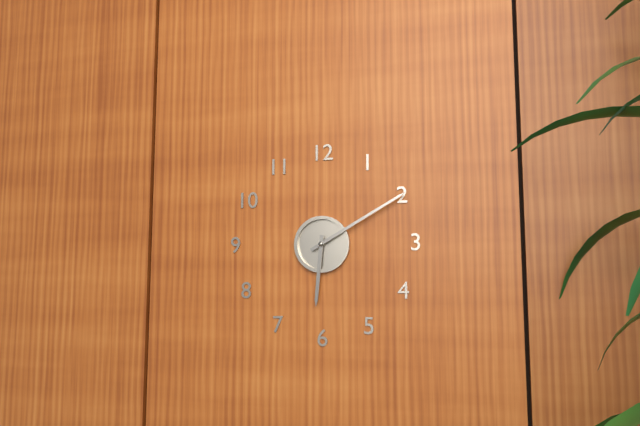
6,10
